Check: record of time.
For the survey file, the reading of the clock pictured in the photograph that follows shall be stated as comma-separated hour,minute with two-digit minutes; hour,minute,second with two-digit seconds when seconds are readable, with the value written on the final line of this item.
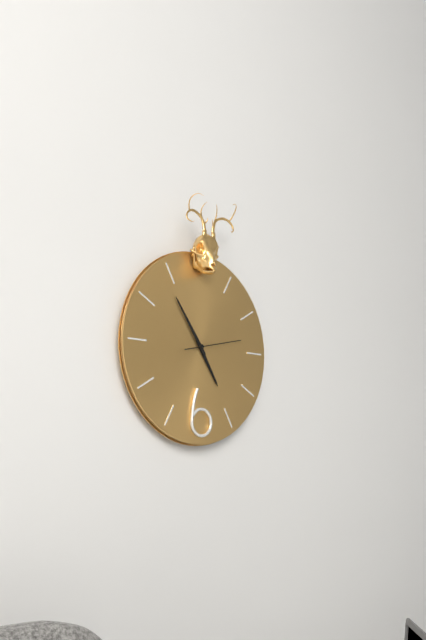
4,54,13
